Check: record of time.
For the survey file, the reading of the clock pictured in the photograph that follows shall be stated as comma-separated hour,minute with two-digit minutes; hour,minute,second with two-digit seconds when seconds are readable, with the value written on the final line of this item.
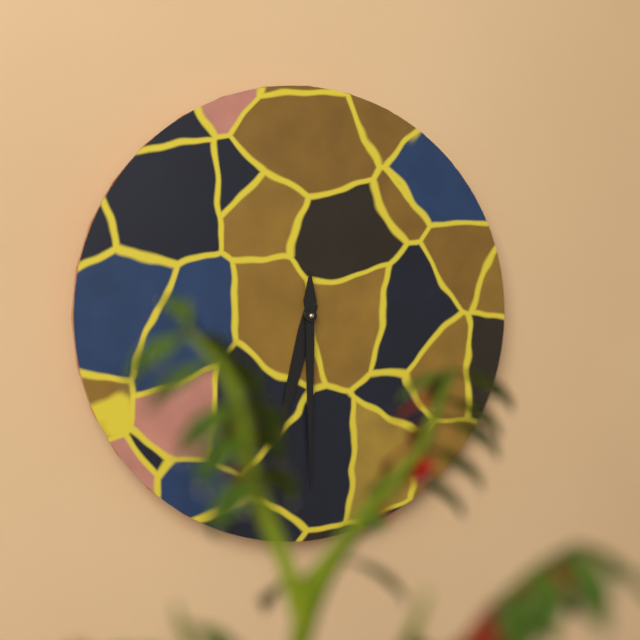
6,30
